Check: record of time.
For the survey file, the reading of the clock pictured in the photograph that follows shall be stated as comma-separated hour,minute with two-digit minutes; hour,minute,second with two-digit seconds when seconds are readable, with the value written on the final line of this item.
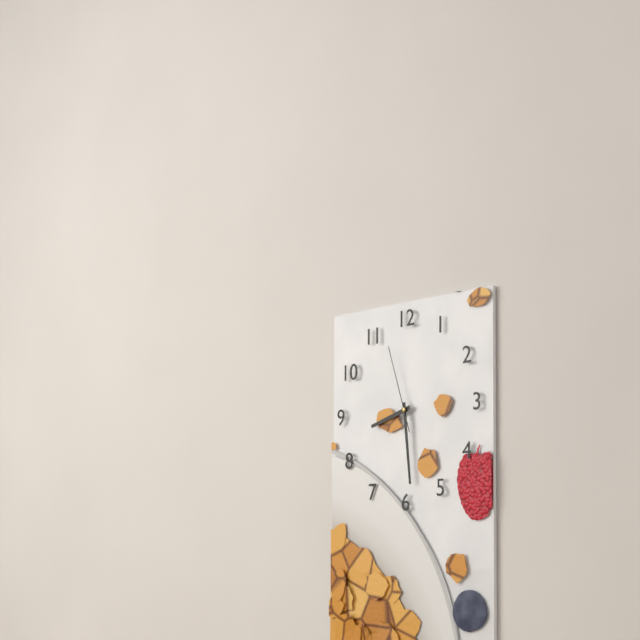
8,29,57
